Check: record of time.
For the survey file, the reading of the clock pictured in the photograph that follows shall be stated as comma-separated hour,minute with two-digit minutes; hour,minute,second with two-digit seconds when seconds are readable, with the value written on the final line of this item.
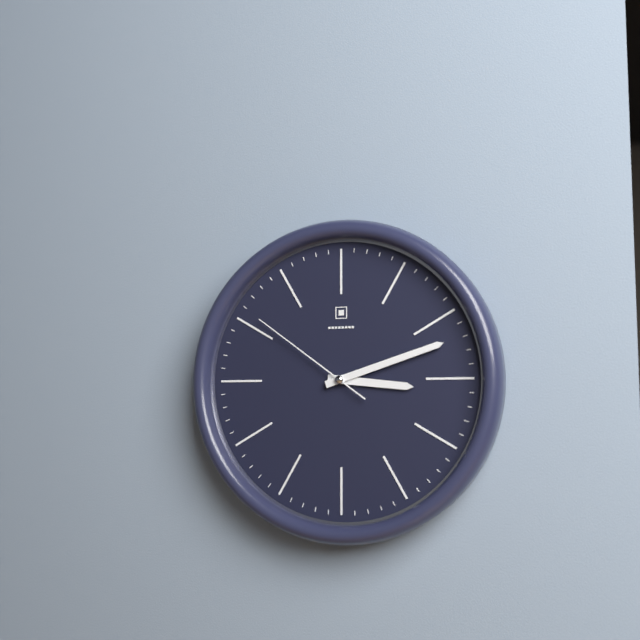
3,12,51
